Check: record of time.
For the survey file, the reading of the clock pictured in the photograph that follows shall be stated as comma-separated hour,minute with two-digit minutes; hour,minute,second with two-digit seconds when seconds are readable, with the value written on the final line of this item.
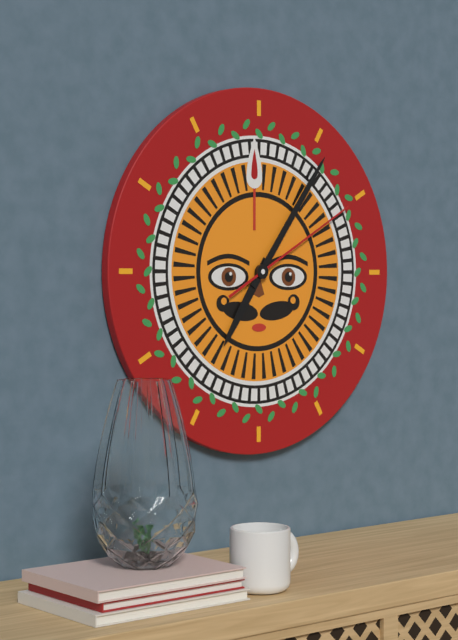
7,06,10
